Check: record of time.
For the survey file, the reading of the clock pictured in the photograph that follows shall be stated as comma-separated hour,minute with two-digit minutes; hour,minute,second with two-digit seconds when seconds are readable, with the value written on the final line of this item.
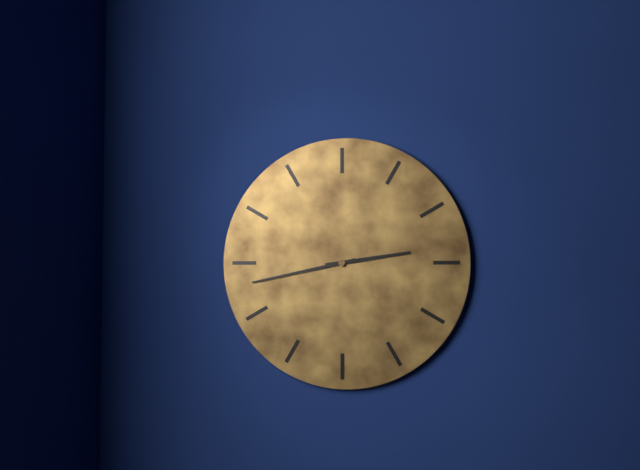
2,43
